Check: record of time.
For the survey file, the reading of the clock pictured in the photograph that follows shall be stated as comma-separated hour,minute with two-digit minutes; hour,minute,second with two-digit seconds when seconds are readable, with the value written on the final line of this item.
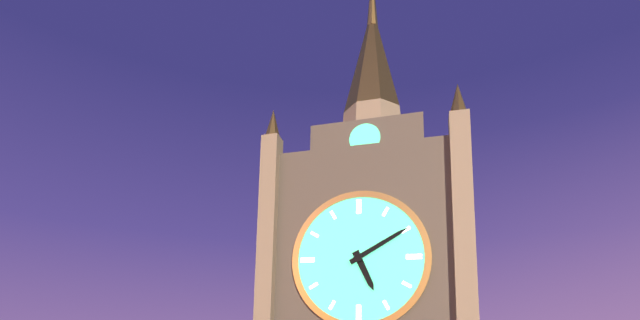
5,10
